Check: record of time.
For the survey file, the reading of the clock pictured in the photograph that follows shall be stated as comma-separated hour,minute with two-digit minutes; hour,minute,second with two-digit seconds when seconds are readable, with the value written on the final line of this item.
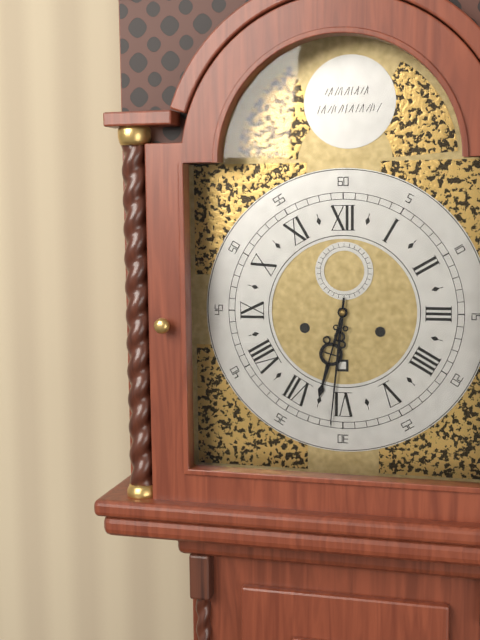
6,31
